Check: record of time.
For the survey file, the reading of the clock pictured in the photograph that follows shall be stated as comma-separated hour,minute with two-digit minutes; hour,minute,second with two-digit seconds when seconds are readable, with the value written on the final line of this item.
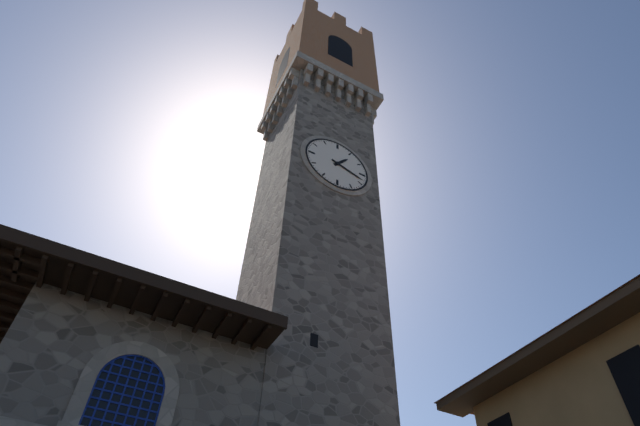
1,18
